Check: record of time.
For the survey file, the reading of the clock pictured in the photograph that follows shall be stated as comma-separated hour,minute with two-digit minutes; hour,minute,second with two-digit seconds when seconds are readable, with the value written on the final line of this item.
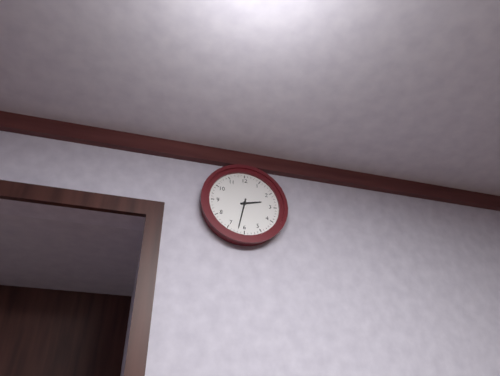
2,32
